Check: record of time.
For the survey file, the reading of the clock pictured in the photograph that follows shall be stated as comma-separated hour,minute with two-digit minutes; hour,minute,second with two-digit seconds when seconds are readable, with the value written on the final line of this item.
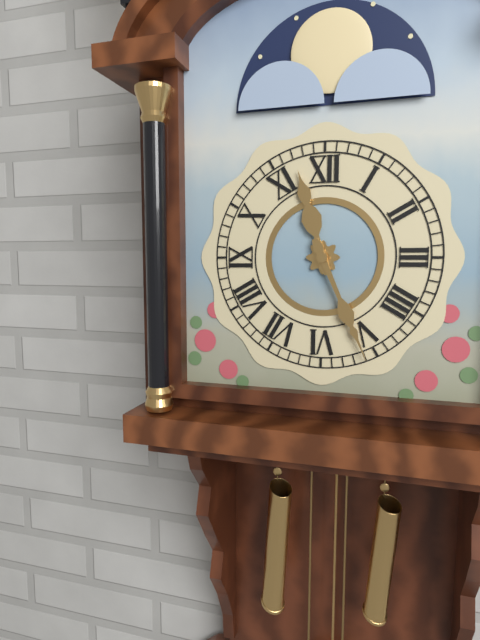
11,26
